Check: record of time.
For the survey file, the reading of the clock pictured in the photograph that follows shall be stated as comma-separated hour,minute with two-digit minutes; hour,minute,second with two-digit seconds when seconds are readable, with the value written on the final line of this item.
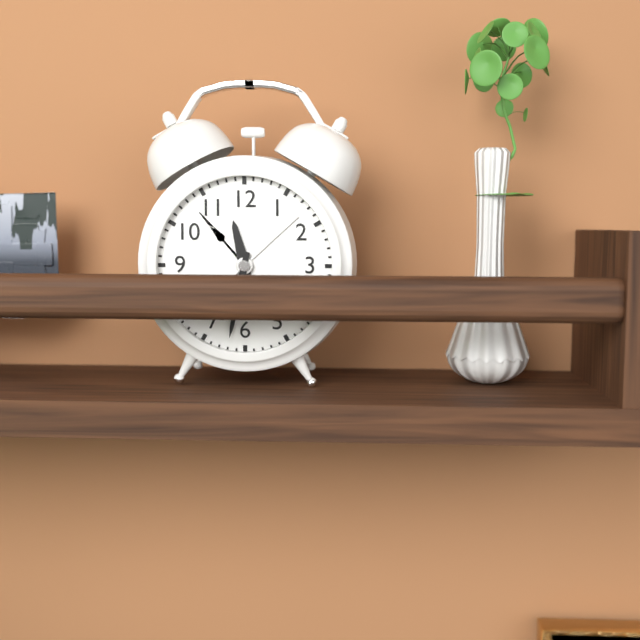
11,32
